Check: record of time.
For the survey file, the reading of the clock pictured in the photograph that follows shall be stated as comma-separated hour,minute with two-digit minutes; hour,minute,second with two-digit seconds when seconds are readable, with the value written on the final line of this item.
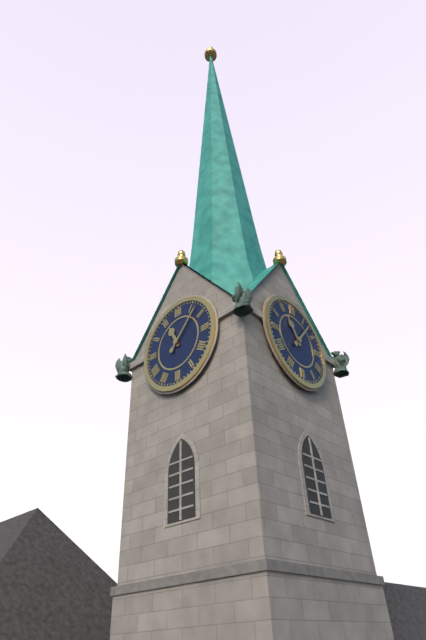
11,07
